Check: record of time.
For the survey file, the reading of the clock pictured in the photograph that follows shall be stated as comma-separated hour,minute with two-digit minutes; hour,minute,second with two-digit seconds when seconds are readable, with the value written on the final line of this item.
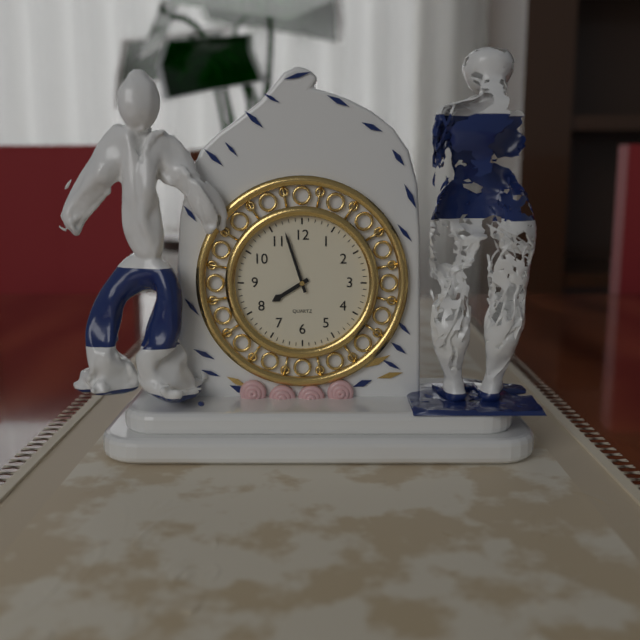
7,57
